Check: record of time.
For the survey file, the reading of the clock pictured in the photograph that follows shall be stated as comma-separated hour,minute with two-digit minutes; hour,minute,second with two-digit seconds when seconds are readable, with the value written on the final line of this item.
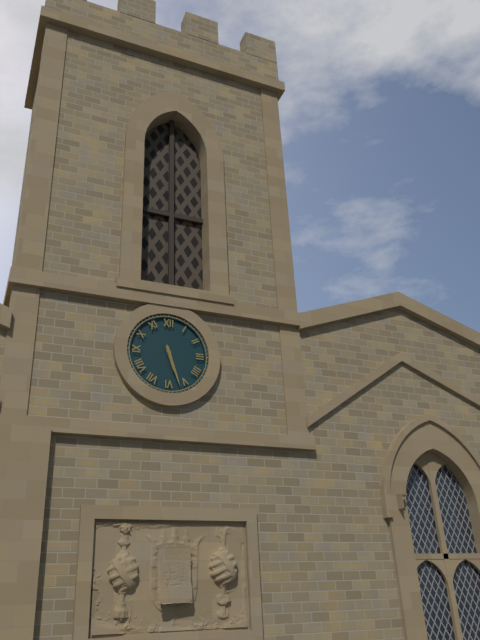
5,27
